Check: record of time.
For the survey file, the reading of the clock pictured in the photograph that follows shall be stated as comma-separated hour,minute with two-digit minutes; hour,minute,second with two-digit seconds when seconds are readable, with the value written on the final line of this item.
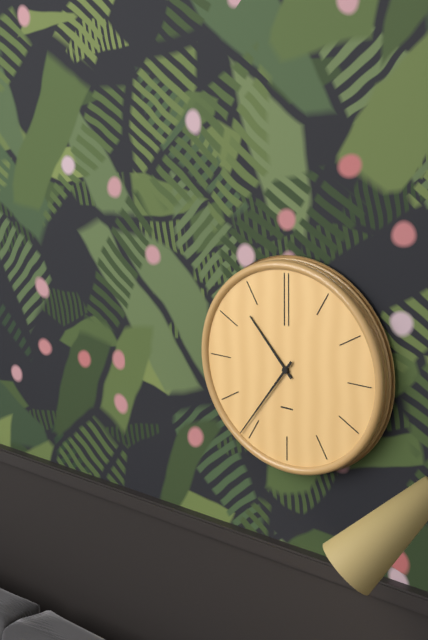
10,36
